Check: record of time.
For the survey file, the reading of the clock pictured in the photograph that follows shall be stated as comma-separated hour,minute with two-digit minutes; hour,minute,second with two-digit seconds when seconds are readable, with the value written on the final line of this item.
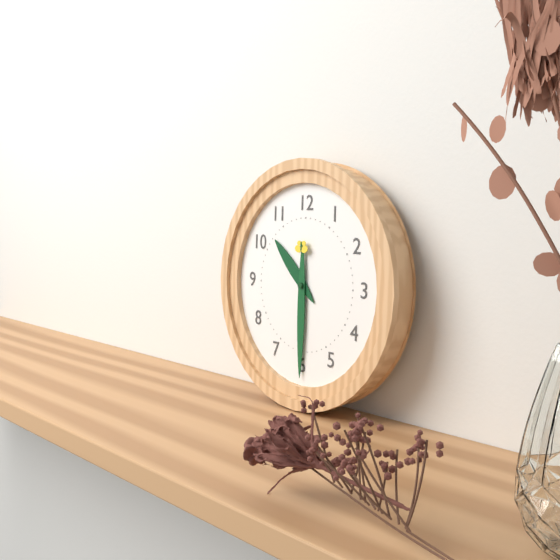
10,30
